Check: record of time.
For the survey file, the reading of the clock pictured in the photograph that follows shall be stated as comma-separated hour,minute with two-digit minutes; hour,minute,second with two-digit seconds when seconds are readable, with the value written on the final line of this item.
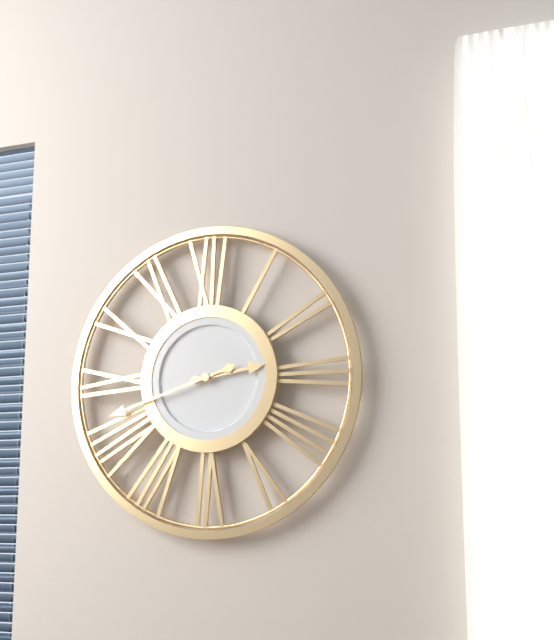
2,42
